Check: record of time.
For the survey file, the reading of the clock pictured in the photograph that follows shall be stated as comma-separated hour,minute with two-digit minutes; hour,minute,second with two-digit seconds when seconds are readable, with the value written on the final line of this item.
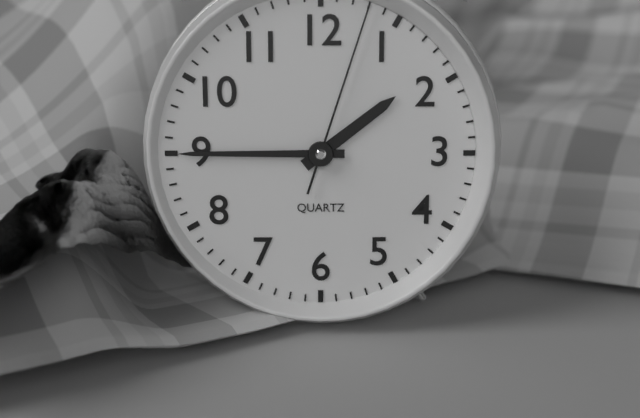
1,45,03
